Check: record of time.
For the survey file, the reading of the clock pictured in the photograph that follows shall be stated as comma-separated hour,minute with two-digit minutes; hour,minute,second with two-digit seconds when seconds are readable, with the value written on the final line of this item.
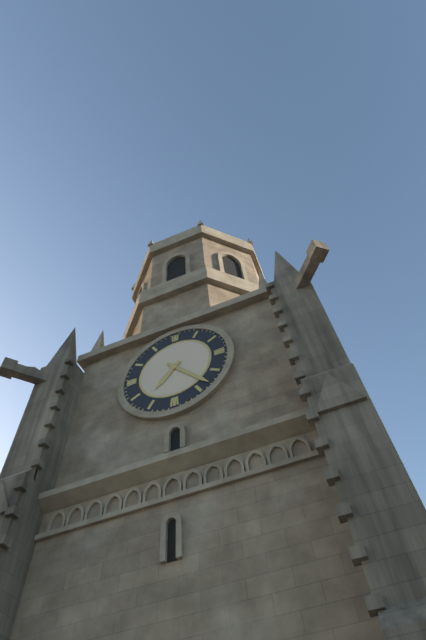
7,23
